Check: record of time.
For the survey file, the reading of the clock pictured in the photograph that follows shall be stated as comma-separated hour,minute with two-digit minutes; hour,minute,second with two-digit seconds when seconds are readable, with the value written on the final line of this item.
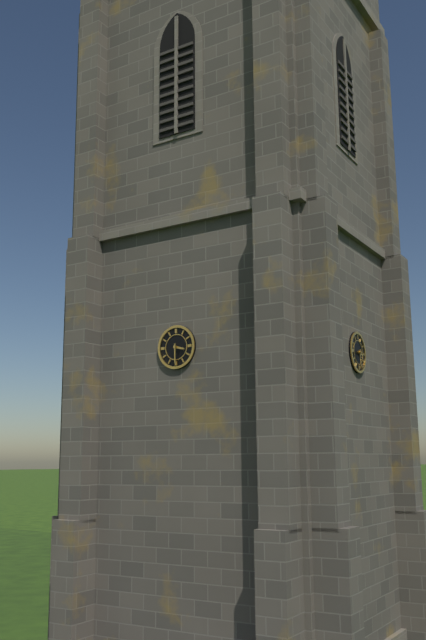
3,30
